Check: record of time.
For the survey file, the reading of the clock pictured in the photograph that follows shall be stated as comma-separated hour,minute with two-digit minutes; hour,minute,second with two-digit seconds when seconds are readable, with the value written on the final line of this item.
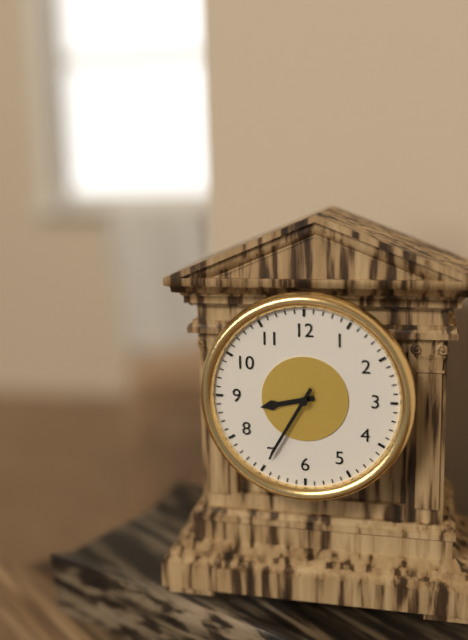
8,35
